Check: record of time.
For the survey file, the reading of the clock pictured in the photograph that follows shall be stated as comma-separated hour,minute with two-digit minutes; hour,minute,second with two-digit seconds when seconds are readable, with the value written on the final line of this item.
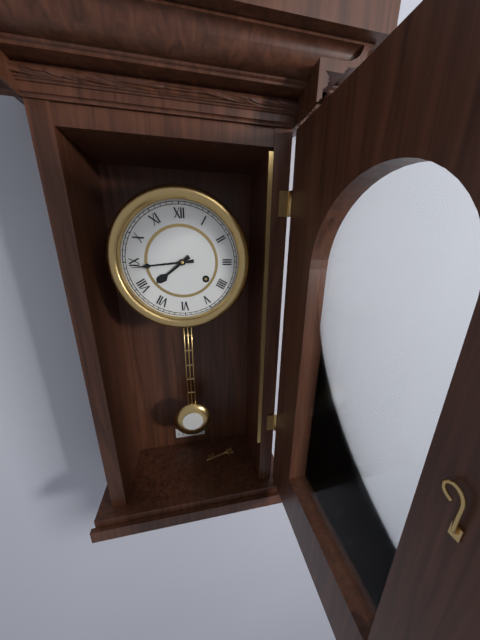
7,44
